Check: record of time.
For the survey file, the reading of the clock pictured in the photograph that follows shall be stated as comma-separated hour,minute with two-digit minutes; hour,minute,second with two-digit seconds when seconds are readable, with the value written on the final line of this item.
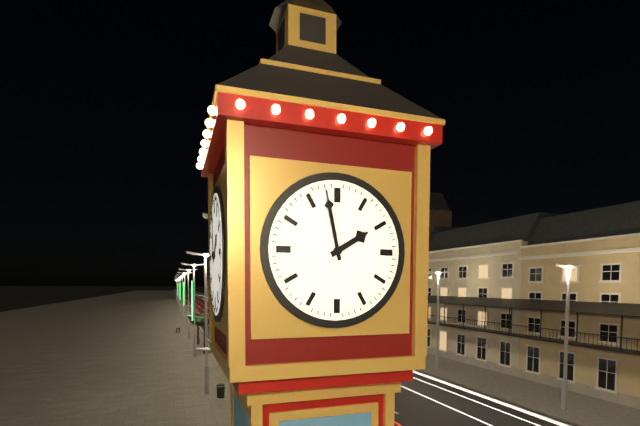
1,58
